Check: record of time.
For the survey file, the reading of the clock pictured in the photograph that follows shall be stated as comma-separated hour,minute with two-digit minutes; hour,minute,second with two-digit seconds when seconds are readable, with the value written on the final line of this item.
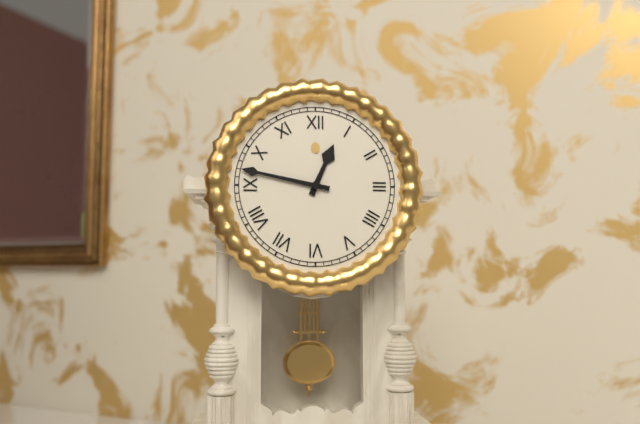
12,47
